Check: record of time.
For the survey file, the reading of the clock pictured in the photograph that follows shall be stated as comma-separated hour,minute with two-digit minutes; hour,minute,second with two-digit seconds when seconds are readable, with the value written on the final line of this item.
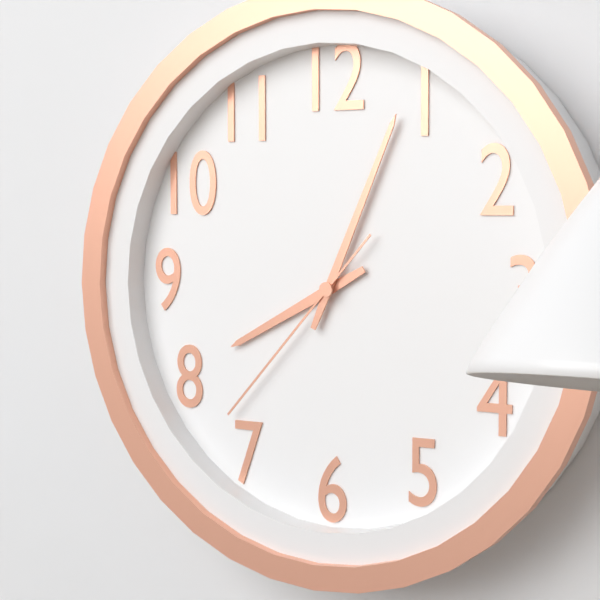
8,04,37
